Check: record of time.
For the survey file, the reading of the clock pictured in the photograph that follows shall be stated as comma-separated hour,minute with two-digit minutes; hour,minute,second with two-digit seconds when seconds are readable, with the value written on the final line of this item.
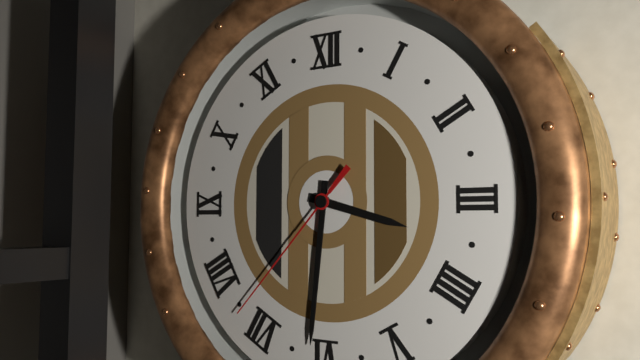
3,31,37
